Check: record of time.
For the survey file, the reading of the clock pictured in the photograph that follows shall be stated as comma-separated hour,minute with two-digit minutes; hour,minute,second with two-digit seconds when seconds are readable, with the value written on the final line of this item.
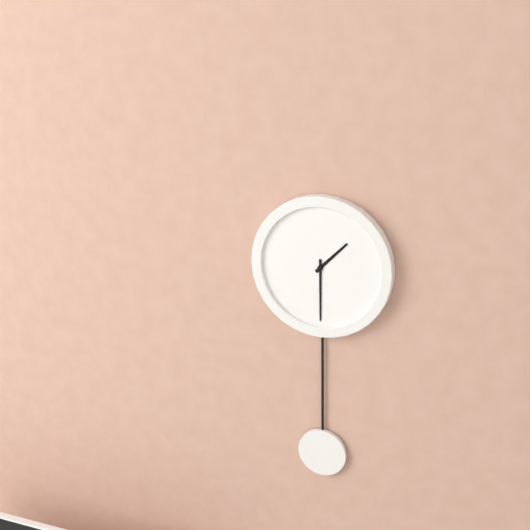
1,30
